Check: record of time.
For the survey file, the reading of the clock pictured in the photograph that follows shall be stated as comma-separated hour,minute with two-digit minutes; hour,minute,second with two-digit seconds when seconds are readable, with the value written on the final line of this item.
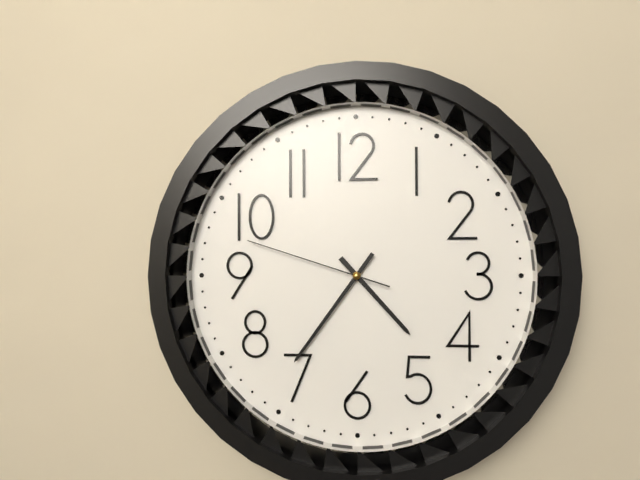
4,36,48
